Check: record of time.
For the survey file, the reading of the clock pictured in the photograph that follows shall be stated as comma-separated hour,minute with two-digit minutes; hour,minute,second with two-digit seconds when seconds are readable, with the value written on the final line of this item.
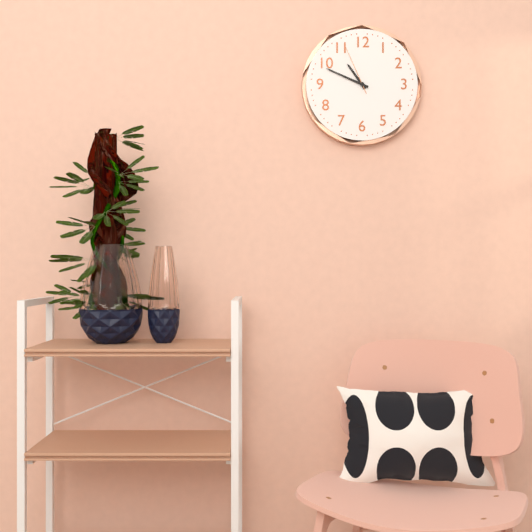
10,49,56
